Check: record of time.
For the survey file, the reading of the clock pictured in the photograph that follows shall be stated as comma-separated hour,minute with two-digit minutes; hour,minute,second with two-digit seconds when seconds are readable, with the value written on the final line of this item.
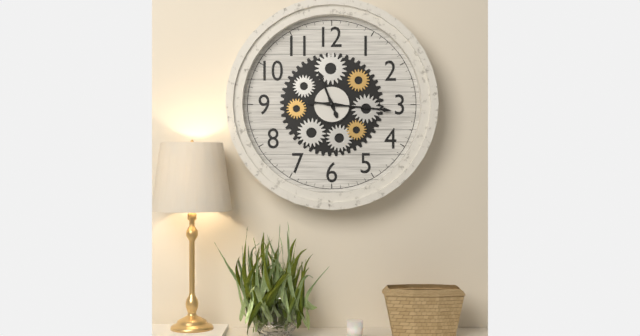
11,16
